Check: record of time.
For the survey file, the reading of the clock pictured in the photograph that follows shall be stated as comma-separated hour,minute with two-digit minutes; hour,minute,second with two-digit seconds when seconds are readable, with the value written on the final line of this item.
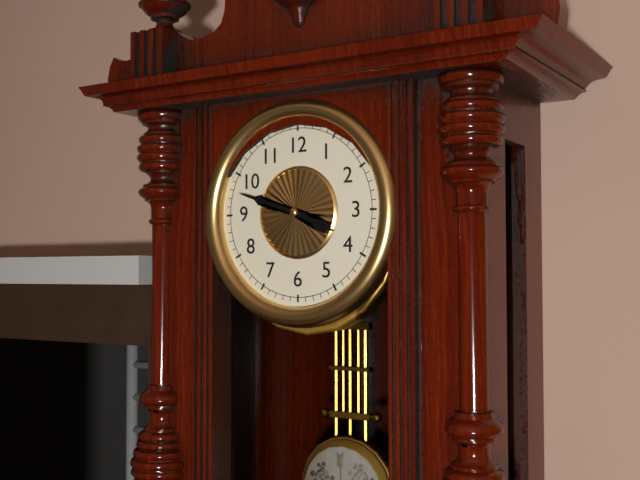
3,48
